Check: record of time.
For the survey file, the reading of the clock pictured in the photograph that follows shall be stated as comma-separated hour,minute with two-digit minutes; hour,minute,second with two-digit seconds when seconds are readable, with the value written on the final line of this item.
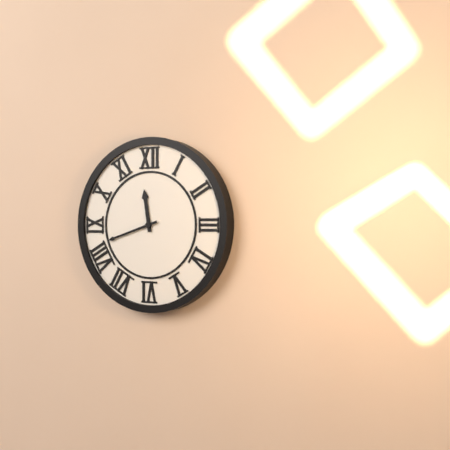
11,42
